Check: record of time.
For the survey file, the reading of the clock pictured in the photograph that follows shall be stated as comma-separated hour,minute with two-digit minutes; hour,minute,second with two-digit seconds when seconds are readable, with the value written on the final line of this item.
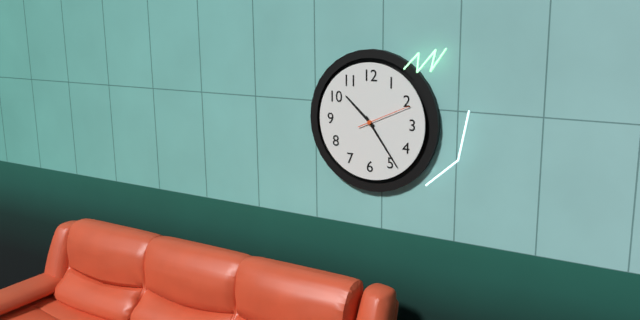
10,24,11
